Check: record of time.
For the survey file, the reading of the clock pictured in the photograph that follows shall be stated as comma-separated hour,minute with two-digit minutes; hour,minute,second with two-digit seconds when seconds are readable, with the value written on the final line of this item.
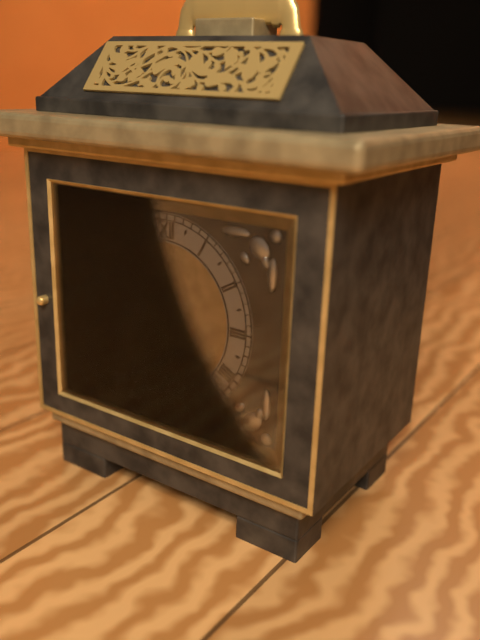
10,46
